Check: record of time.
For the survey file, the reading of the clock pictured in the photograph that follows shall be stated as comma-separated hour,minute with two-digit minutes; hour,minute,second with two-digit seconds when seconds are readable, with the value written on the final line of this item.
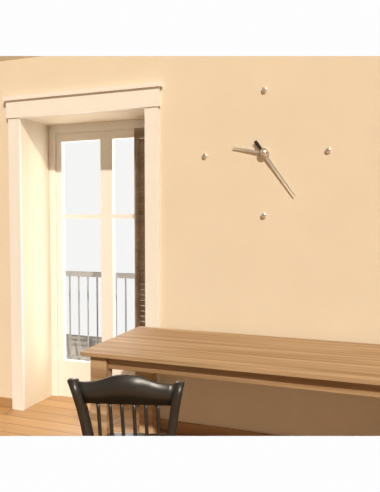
9,24
